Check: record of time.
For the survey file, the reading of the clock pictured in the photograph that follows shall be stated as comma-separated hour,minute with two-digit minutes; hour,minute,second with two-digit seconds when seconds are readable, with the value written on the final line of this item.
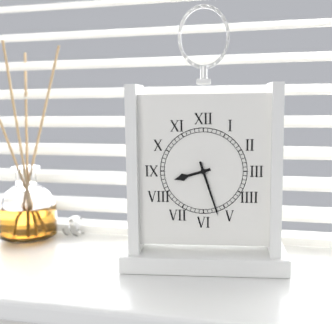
8,27
